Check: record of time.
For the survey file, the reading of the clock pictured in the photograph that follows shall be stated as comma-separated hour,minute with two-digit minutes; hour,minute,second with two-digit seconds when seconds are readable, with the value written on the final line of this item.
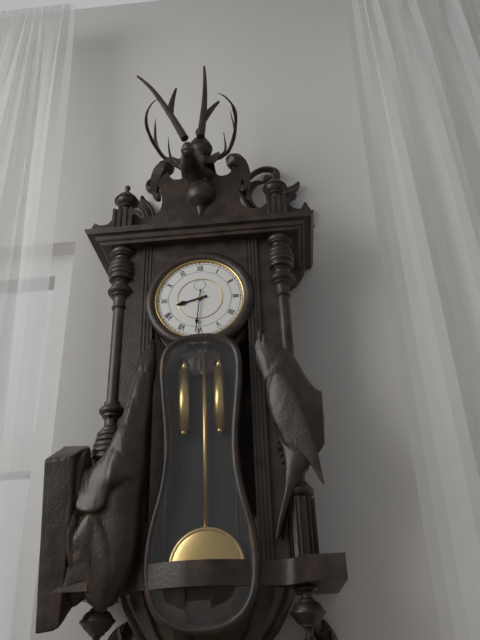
8,31
